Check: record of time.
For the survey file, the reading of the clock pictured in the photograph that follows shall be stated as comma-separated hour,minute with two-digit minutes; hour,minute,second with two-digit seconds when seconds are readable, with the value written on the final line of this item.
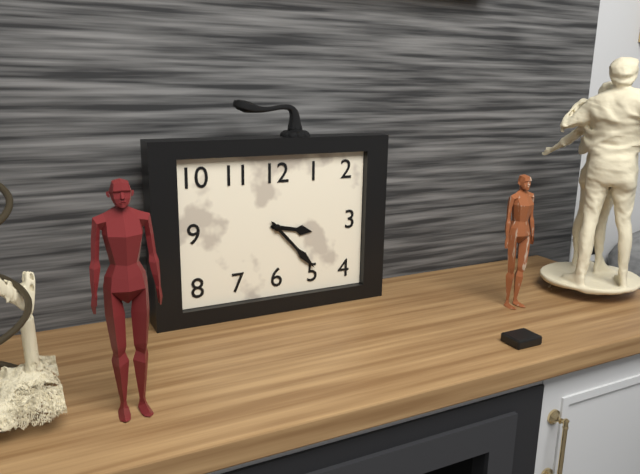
3,23
